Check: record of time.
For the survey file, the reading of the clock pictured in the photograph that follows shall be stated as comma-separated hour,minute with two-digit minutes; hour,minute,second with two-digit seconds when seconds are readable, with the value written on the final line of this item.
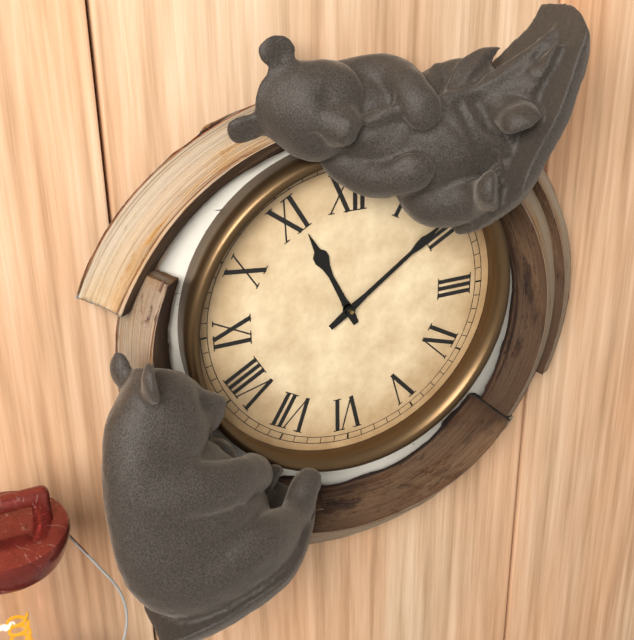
11,09
